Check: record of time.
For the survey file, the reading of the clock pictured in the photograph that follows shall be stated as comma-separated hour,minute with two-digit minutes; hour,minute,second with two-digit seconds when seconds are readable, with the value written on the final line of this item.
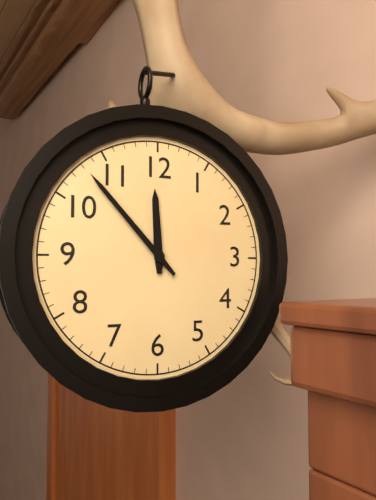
11,53
